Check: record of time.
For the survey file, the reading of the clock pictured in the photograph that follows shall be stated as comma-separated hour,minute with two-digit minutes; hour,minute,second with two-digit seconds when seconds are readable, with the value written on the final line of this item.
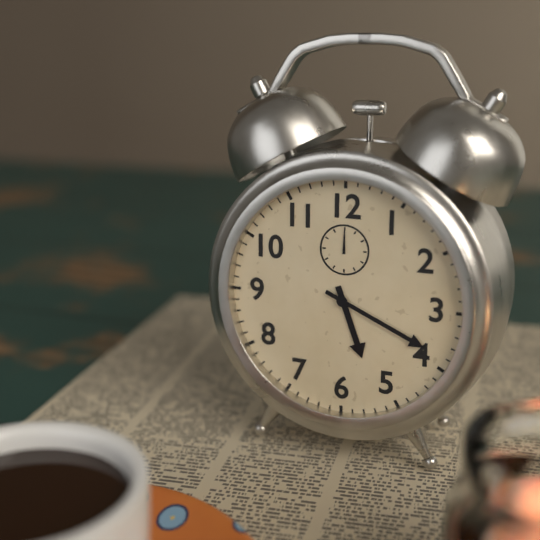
5,19
